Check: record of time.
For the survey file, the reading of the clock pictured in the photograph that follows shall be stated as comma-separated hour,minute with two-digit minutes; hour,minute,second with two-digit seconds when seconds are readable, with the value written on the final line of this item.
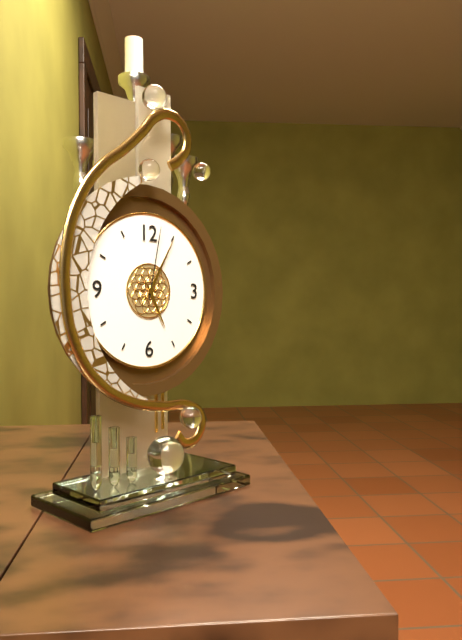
5,05,02
